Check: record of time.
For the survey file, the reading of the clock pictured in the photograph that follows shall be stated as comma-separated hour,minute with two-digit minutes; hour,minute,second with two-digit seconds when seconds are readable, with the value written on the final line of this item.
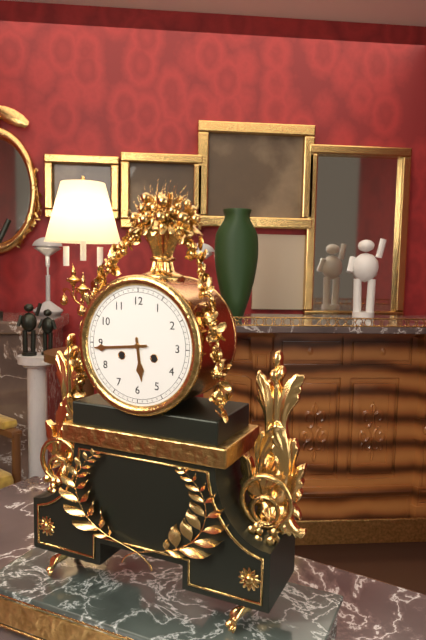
5,44
